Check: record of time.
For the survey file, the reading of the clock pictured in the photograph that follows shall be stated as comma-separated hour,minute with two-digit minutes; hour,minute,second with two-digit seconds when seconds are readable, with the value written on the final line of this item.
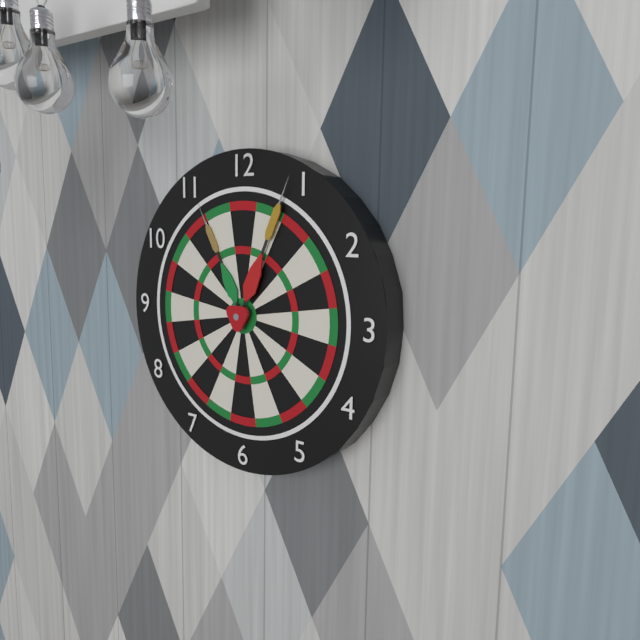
11,04
